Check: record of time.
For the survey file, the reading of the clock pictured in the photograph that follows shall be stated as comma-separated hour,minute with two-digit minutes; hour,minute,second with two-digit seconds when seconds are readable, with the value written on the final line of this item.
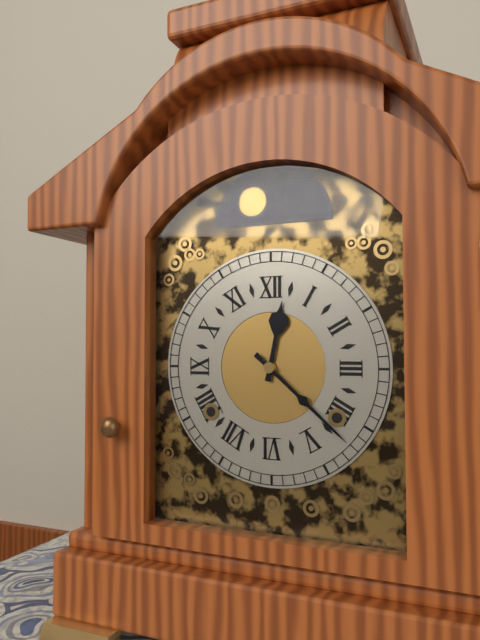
12,22
